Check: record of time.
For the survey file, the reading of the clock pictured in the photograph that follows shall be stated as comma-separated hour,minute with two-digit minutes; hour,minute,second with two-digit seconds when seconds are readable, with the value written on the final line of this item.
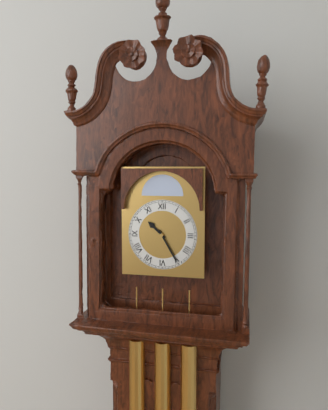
10,25
